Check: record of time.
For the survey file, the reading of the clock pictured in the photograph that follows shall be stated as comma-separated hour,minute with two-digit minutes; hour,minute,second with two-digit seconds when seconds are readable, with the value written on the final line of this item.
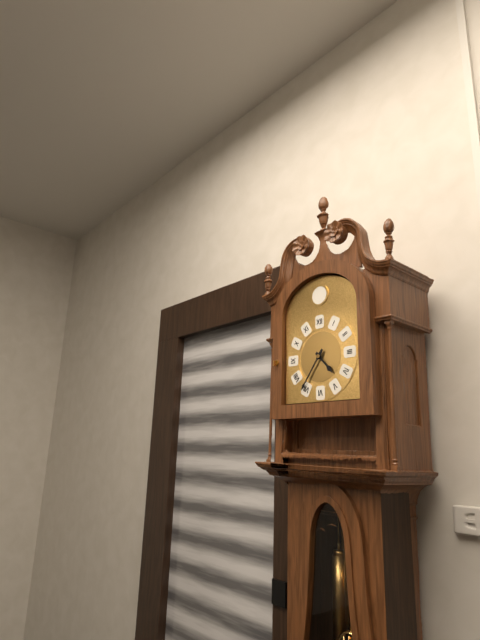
4,36
